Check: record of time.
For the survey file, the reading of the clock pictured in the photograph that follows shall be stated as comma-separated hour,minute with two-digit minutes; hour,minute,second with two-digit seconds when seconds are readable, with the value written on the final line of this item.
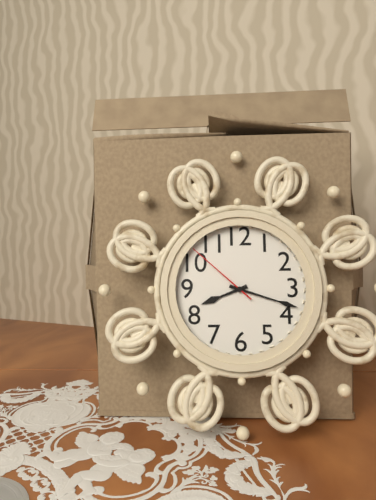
8,18,52
